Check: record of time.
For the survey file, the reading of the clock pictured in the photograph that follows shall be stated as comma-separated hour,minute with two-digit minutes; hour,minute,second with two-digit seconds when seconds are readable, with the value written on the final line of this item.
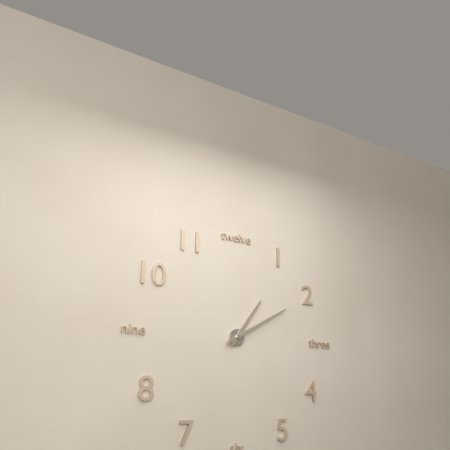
1,10
